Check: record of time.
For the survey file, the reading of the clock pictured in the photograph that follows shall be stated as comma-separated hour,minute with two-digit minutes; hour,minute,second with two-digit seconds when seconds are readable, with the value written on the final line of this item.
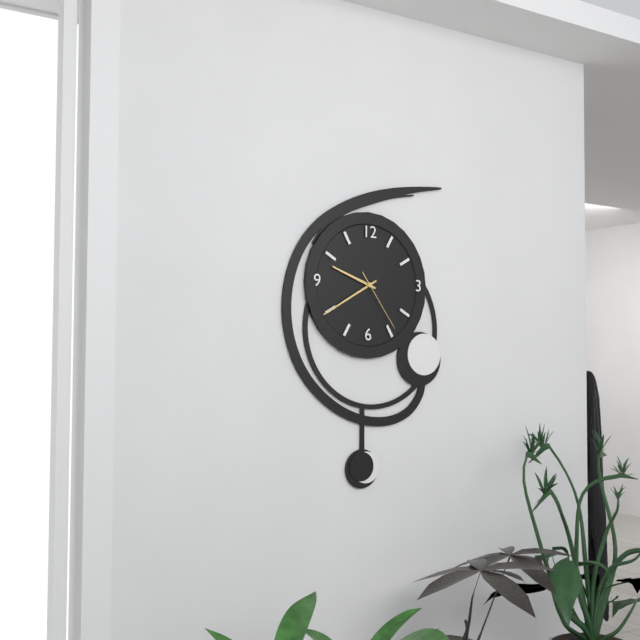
9,40,24
